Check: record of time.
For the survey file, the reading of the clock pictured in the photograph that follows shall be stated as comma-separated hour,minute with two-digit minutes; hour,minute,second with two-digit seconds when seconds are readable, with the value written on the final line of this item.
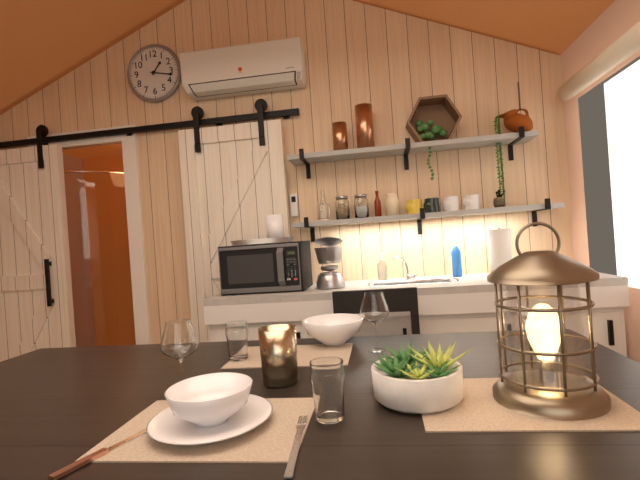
1,17
